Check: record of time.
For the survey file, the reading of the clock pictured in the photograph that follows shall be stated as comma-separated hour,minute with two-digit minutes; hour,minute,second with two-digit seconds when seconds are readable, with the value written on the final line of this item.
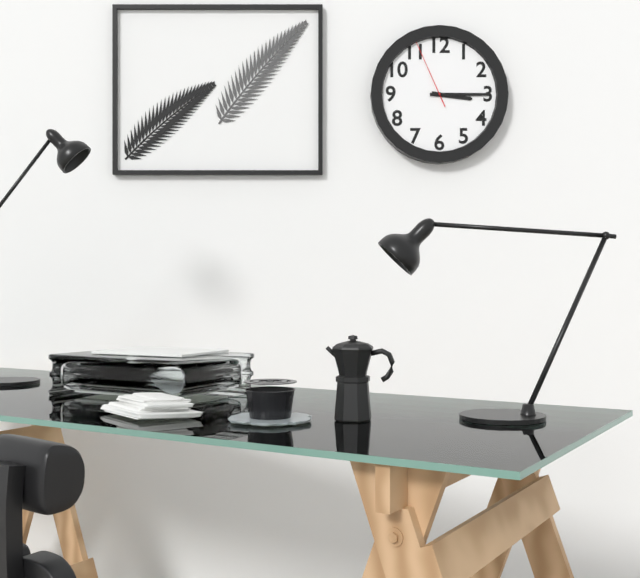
3,15,56
